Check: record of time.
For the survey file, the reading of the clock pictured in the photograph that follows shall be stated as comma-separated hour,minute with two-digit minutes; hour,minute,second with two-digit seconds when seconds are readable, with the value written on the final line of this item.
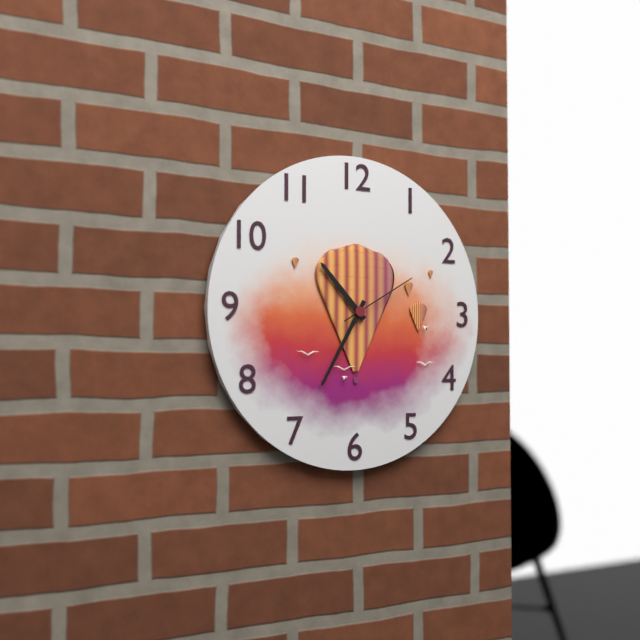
10,35,10
